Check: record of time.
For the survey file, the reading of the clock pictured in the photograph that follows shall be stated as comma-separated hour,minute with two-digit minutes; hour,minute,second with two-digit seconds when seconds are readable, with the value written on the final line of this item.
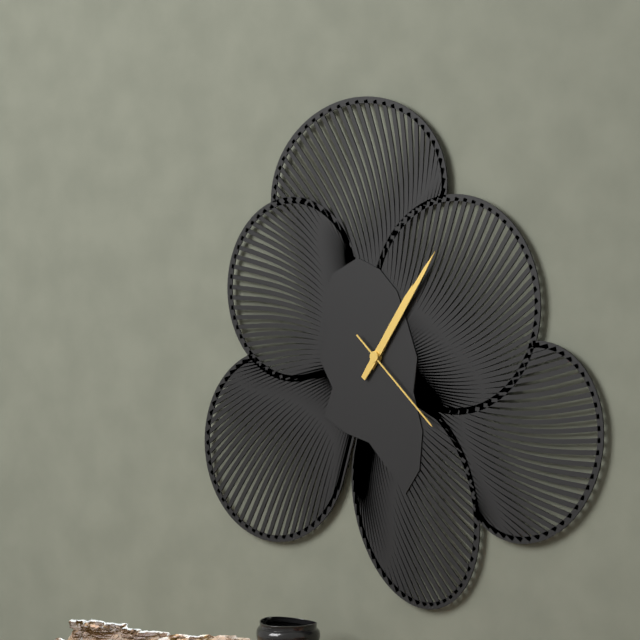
1,06,22
